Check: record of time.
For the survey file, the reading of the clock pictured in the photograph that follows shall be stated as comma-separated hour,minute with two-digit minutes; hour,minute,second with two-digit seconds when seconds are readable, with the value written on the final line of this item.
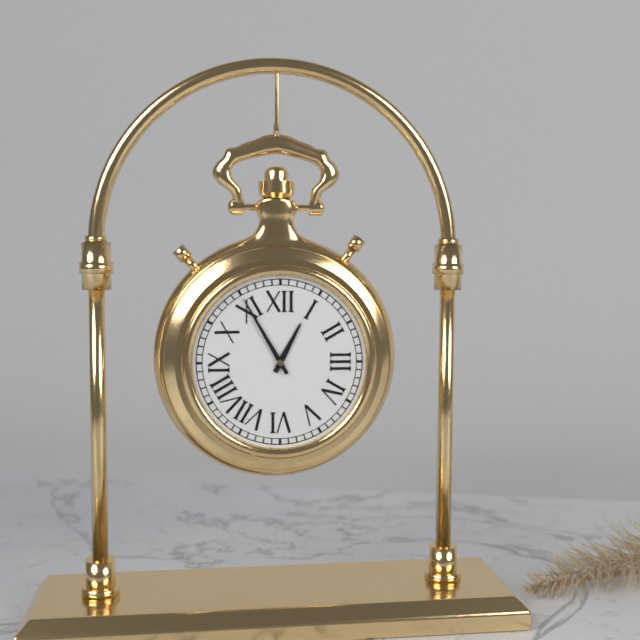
12,55
